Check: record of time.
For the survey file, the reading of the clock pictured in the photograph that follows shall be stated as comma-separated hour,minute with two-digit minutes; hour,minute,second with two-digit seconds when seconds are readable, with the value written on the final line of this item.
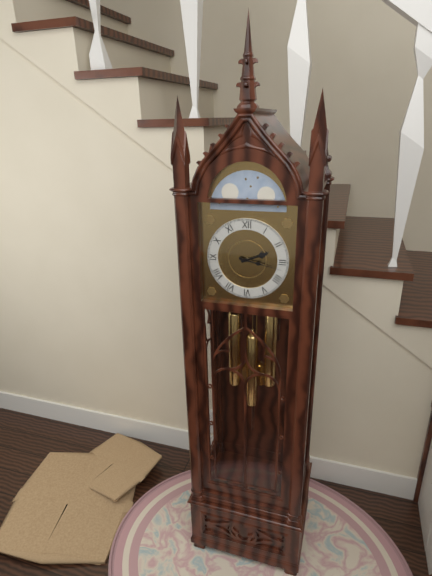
2,17
